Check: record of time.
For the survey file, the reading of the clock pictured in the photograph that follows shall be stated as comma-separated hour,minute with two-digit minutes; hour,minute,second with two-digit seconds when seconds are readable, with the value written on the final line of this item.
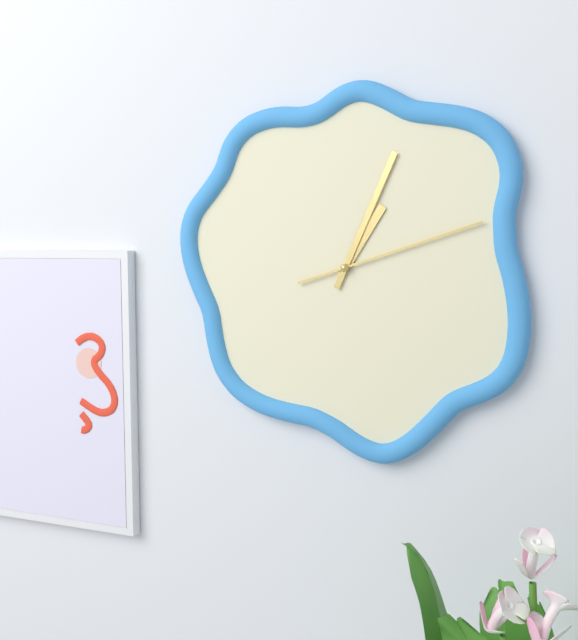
1,04,12
